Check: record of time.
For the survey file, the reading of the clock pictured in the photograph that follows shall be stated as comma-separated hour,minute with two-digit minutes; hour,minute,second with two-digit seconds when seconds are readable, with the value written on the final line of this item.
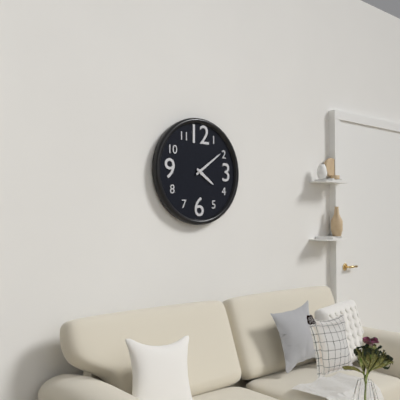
4,09
